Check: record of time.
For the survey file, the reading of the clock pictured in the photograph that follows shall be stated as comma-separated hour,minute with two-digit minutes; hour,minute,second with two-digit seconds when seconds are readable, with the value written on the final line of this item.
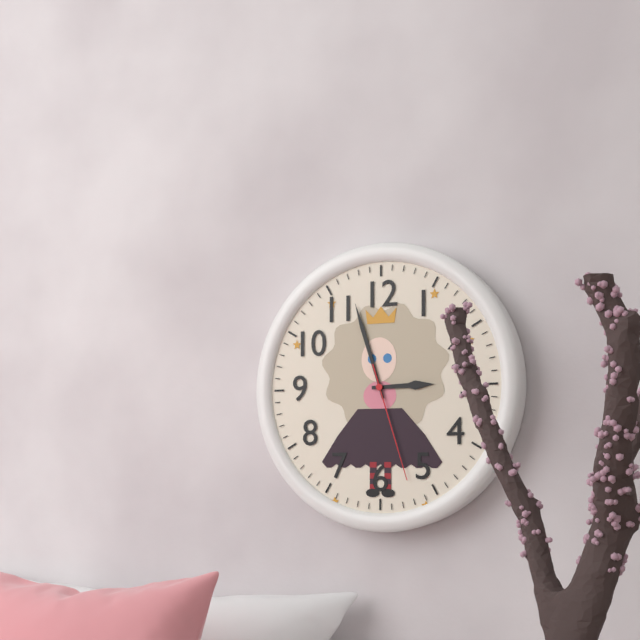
2,57,27
